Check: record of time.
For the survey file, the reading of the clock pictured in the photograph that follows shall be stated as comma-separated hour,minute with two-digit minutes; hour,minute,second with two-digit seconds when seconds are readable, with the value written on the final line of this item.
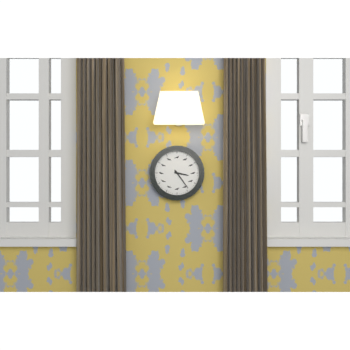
3,24
